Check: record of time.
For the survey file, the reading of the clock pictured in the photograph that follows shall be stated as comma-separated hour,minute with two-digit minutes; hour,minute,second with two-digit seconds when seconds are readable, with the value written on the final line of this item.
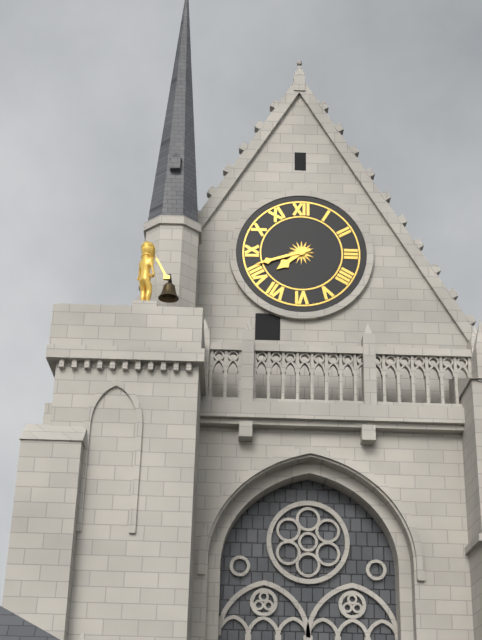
7,42
